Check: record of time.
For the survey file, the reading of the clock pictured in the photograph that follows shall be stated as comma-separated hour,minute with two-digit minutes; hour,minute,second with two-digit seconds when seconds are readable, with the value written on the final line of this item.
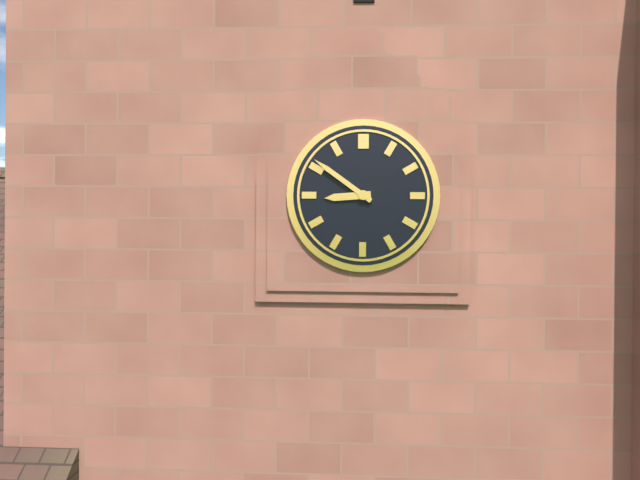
8,51
